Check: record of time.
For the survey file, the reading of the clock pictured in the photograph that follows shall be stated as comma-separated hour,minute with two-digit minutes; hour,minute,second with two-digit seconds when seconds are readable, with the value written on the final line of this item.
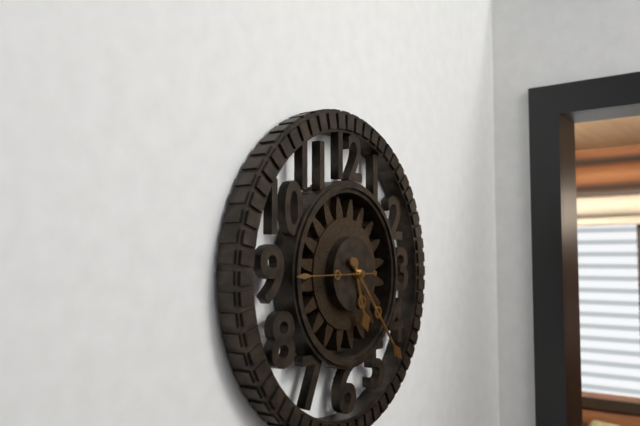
5,23
